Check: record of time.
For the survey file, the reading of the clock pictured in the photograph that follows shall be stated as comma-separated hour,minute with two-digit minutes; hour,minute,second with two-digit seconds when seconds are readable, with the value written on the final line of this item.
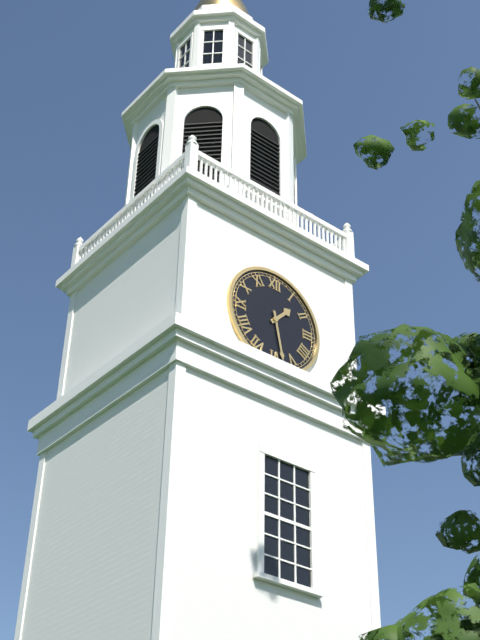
1,28
